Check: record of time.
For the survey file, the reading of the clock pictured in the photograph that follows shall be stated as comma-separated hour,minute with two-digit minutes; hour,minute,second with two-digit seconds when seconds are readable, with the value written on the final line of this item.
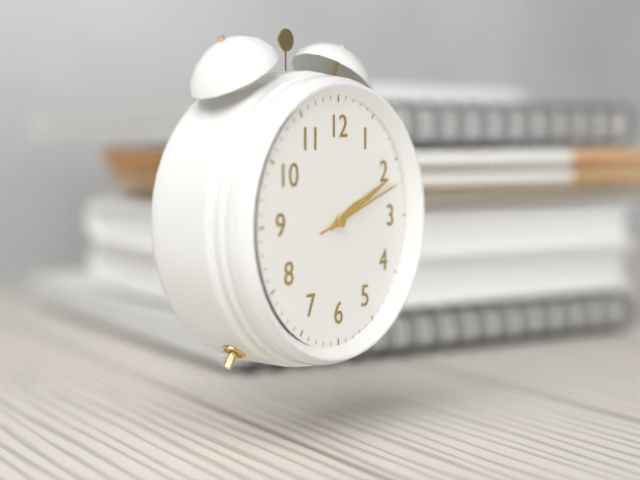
2,11,12
